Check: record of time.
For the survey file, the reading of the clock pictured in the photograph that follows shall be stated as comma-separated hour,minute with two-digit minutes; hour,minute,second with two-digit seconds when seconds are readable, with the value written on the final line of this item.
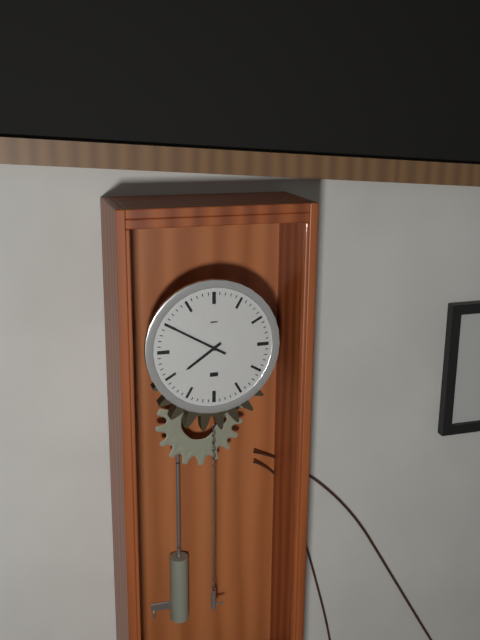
7,50
